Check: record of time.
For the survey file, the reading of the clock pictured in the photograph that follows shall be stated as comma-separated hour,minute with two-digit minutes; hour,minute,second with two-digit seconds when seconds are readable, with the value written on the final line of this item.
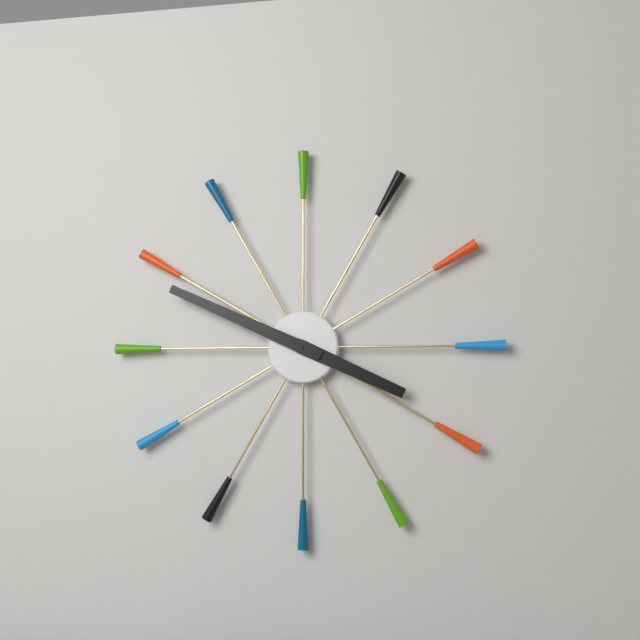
3,49
